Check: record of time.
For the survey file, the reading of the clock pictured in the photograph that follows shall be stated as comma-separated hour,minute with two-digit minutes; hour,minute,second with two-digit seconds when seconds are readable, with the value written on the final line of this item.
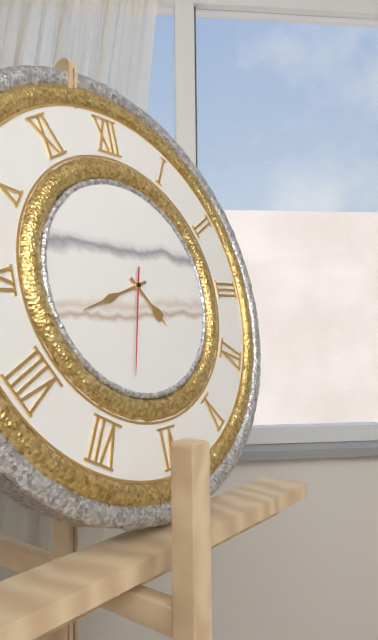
4,42,33
